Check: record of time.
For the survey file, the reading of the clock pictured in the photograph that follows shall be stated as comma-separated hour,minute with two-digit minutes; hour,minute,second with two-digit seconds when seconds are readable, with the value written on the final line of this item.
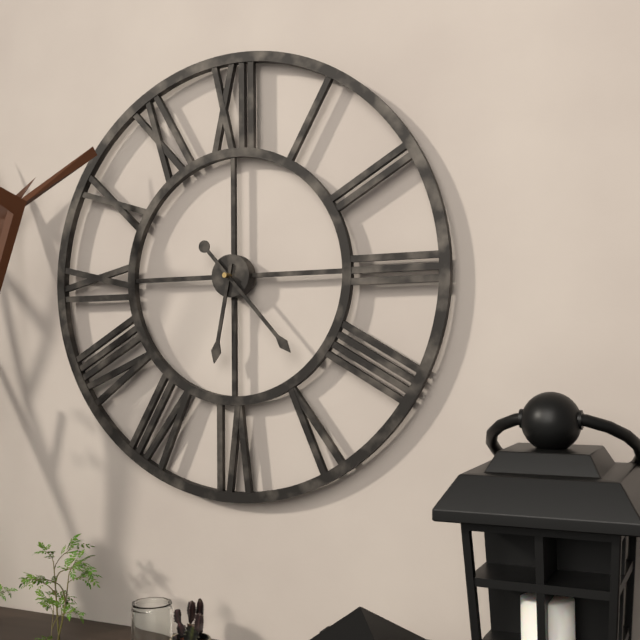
6,23
